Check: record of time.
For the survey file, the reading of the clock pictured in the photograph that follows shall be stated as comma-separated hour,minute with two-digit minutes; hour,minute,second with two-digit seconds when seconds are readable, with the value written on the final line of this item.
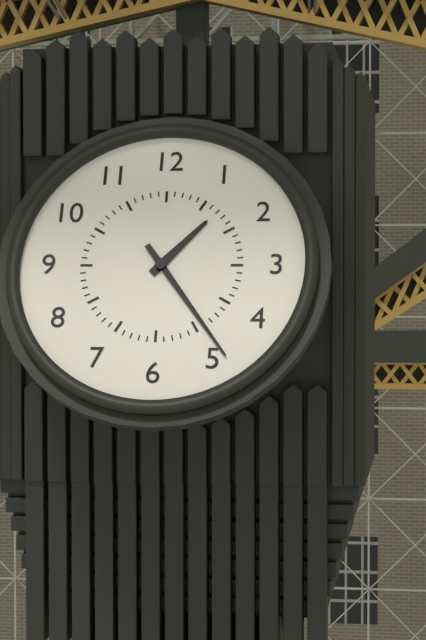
1,24
